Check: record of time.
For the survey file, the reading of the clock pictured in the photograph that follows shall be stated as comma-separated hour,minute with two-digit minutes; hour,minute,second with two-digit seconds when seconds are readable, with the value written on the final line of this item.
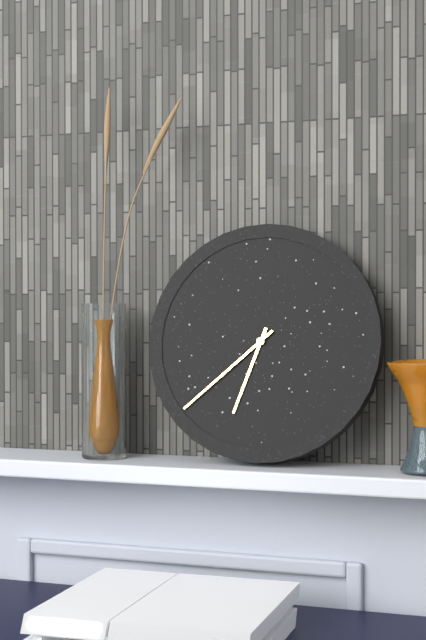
6,38
